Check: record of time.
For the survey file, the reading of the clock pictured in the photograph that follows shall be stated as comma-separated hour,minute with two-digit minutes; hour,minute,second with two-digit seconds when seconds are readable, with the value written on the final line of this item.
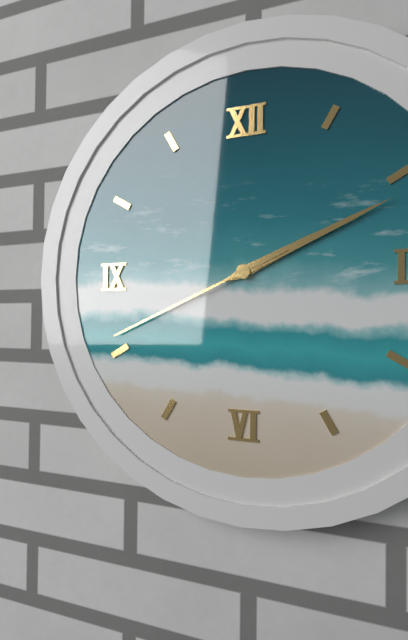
2,11,41
